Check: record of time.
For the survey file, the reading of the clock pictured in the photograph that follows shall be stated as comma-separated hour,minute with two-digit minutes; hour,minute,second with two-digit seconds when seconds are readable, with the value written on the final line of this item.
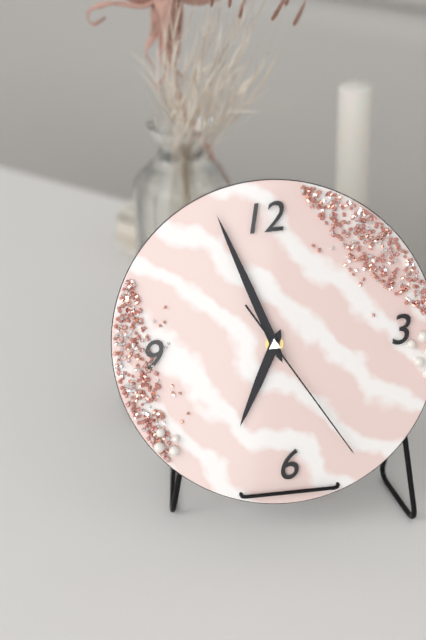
6,57,25
